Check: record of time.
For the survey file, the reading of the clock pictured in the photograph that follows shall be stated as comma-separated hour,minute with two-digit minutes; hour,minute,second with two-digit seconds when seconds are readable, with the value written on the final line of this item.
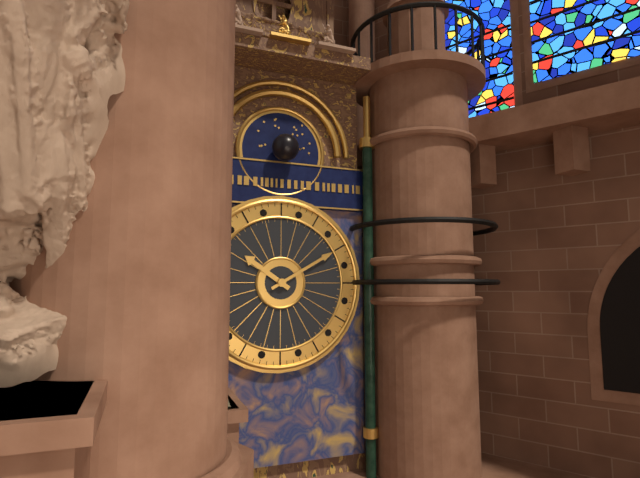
10,10
